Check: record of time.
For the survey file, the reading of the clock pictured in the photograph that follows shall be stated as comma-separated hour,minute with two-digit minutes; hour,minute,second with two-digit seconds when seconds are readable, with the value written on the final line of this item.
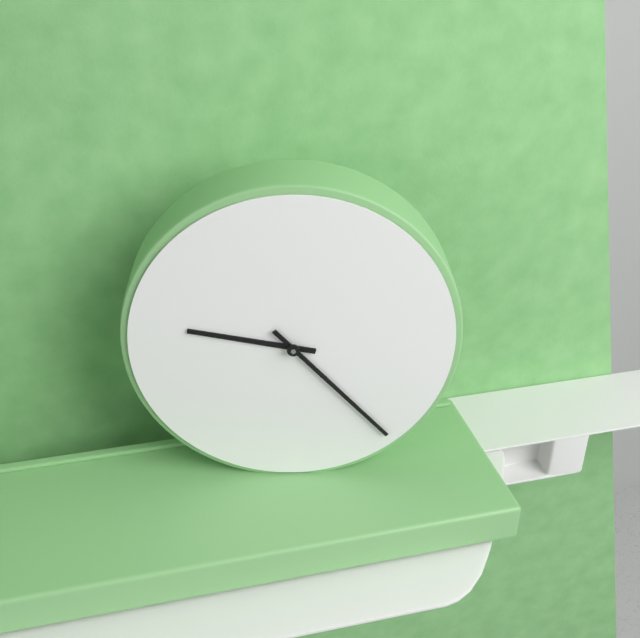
9,23
